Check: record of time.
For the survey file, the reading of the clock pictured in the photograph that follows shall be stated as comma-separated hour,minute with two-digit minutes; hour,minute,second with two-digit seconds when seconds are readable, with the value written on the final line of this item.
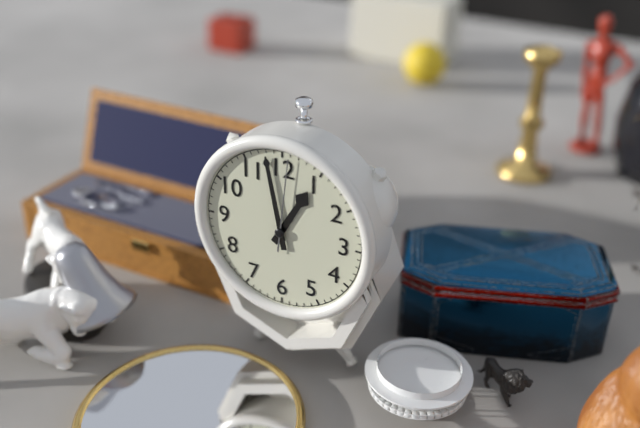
12,58,01
